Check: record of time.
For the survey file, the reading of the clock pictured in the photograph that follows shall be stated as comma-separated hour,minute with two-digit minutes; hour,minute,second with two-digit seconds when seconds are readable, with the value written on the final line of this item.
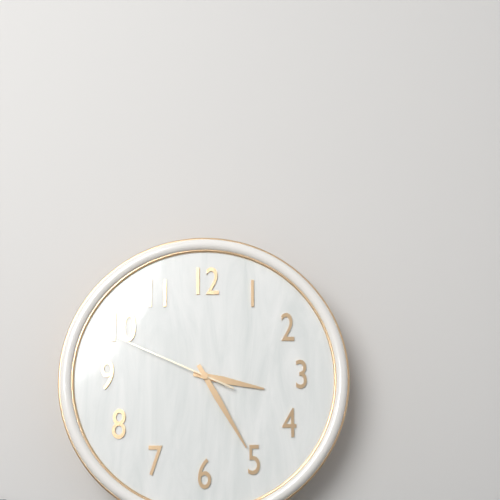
3,25,49
